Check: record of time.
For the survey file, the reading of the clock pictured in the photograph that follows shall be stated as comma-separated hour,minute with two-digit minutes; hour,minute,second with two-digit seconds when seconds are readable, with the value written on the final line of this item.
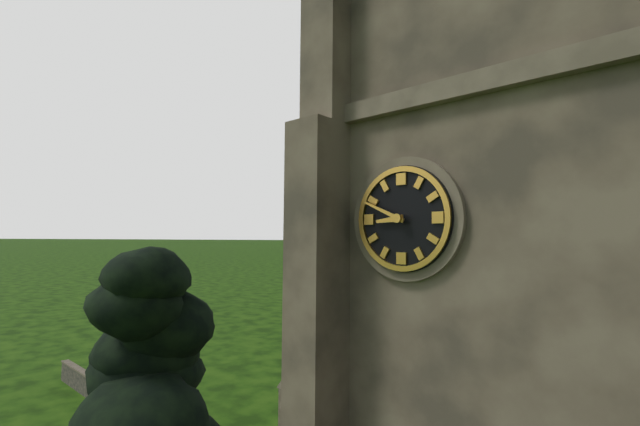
8,49
